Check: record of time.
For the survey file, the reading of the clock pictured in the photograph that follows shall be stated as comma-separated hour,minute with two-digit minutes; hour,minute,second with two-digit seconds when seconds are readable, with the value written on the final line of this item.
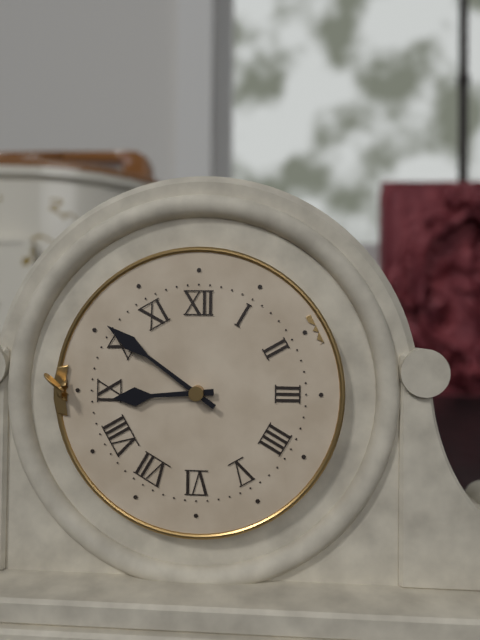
8,51
